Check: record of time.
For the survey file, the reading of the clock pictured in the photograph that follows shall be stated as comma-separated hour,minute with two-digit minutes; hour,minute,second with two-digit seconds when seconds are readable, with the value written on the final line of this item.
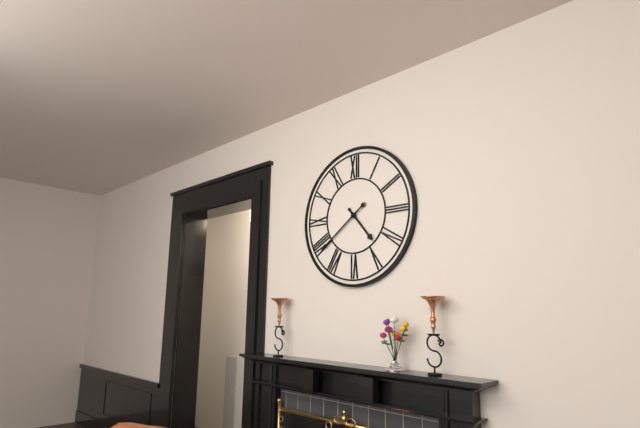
4,39
